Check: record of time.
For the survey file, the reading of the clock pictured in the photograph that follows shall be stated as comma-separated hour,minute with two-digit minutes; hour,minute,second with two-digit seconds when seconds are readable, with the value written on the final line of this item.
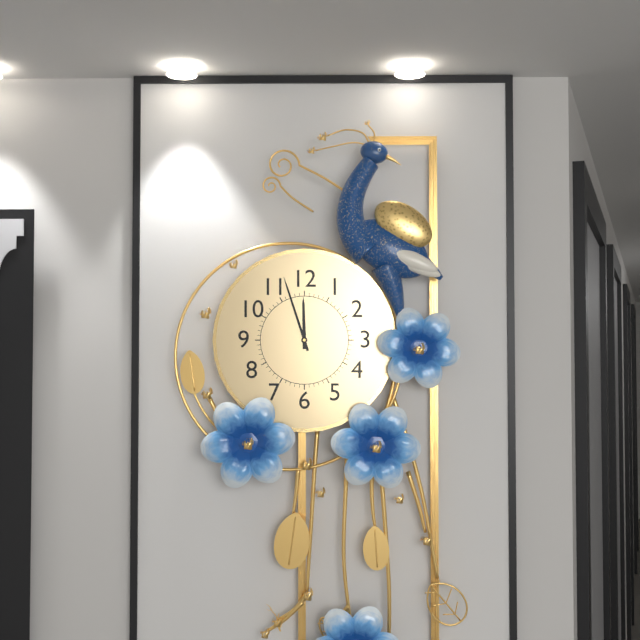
11,57
